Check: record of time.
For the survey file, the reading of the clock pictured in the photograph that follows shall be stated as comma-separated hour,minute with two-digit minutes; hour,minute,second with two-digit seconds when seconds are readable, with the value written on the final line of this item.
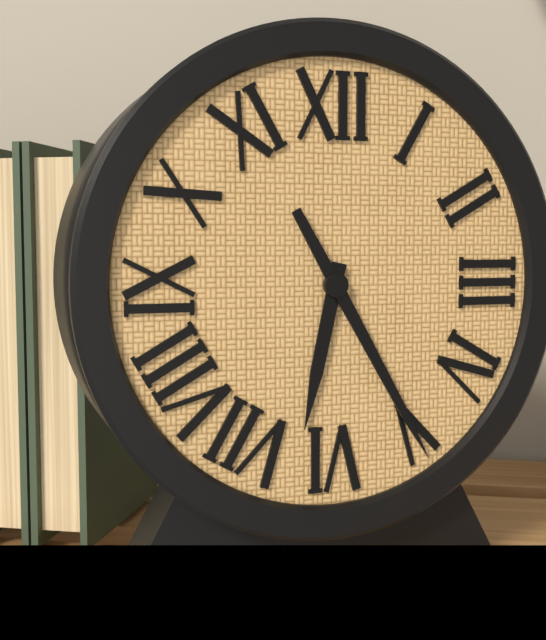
6,25
